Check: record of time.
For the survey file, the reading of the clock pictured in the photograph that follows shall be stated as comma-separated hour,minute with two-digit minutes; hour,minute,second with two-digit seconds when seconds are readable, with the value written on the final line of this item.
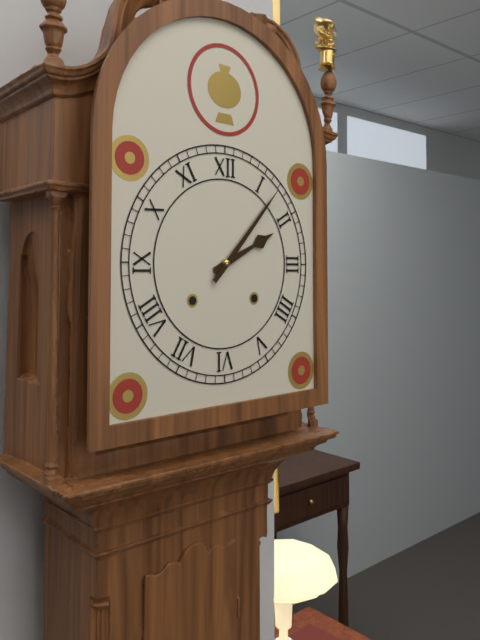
2,07
